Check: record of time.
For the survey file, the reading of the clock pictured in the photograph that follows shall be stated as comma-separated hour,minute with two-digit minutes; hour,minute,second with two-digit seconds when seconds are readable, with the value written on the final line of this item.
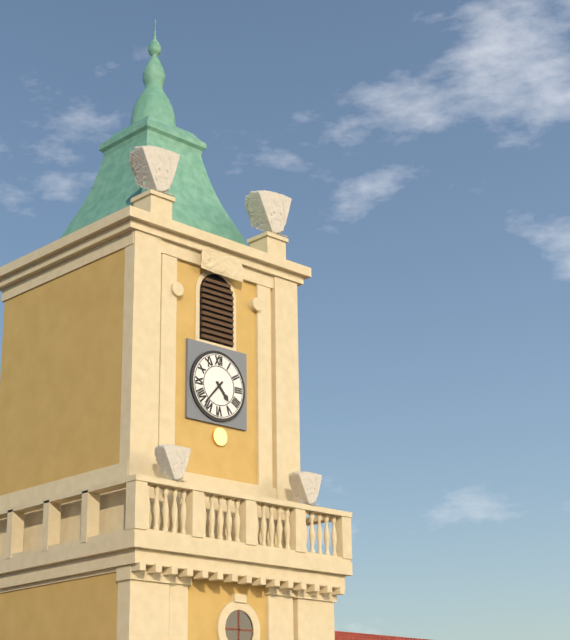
4,37
